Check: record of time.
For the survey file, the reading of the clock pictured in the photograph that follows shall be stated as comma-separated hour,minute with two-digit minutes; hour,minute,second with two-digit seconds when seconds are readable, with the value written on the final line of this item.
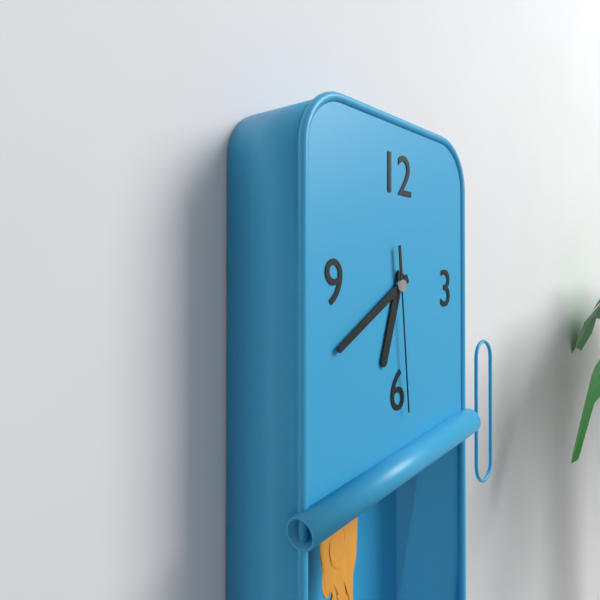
6,40,29
